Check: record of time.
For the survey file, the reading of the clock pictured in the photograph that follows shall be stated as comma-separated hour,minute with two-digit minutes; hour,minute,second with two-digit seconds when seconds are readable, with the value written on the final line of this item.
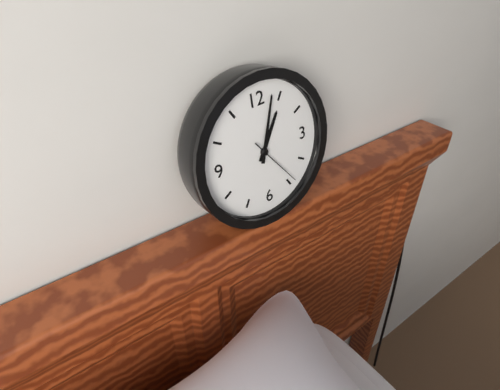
1,03,24
